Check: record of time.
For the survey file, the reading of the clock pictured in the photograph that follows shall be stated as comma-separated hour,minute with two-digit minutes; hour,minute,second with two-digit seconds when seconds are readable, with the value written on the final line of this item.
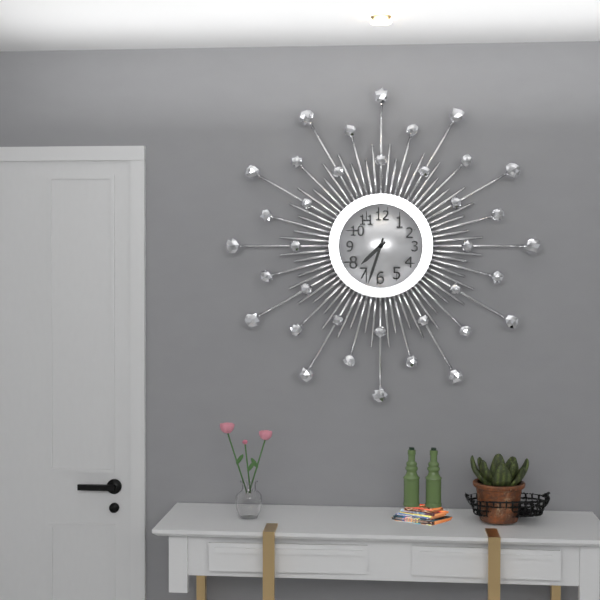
7,33
